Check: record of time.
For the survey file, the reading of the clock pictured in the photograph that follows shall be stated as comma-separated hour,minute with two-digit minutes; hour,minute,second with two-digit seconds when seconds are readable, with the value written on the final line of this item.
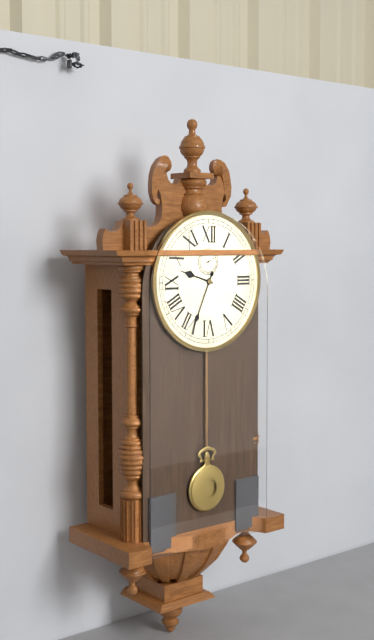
9,34
